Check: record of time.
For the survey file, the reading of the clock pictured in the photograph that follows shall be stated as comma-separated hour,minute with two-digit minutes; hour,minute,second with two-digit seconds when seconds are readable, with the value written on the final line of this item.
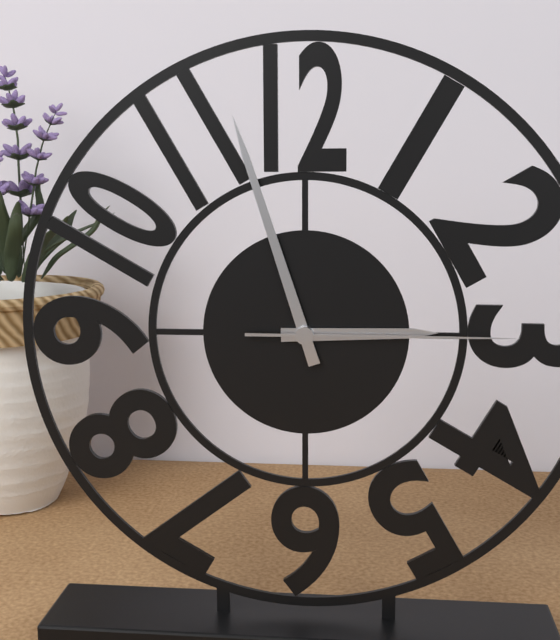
2,57,15
